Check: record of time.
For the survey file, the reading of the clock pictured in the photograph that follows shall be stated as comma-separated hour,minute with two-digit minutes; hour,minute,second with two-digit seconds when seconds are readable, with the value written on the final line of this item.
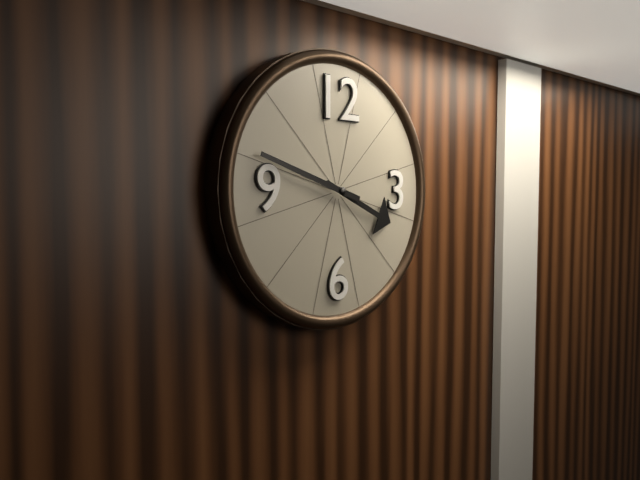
3,48
